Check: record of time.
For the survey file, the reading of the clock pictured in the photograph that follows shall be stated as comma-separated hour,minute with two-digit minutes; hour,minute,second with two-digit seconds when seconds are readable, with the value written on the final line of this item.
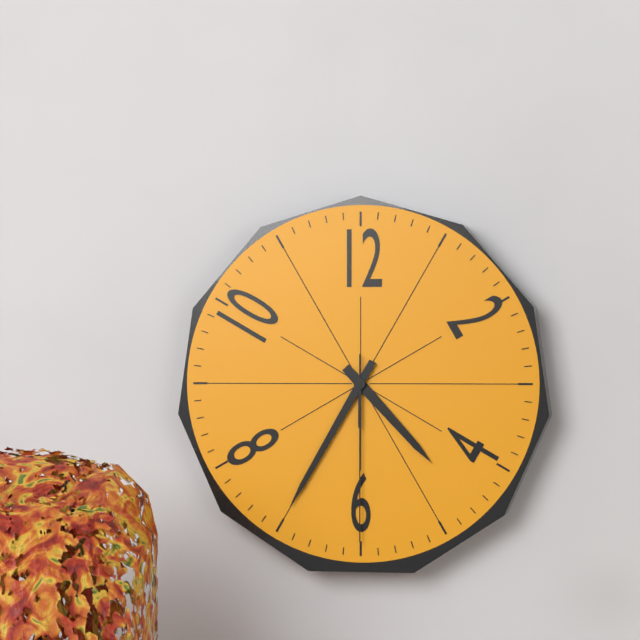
4,35,30
